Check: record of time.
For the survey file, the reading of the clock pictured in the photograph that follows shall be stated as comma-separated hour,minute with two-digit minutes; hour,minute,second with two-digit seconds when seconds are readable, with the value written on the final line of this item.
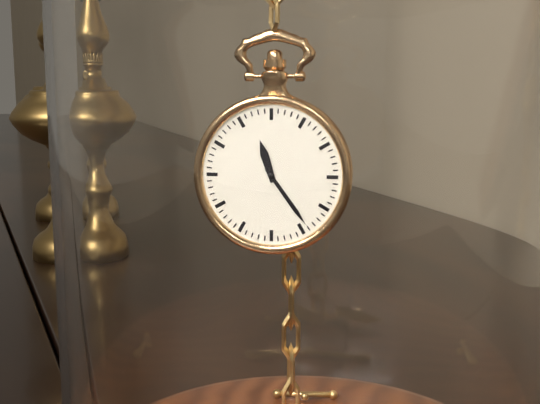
11,24
